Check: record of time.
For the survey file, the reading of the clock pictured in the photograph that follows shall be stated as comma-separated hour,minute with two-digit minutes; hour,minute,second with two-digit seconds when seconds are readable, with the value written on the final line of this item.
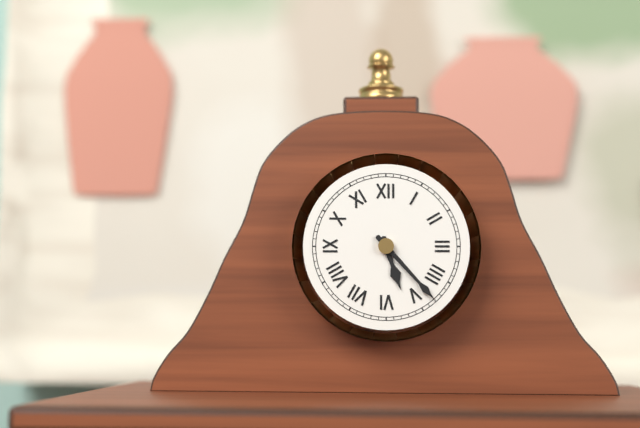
5,23
